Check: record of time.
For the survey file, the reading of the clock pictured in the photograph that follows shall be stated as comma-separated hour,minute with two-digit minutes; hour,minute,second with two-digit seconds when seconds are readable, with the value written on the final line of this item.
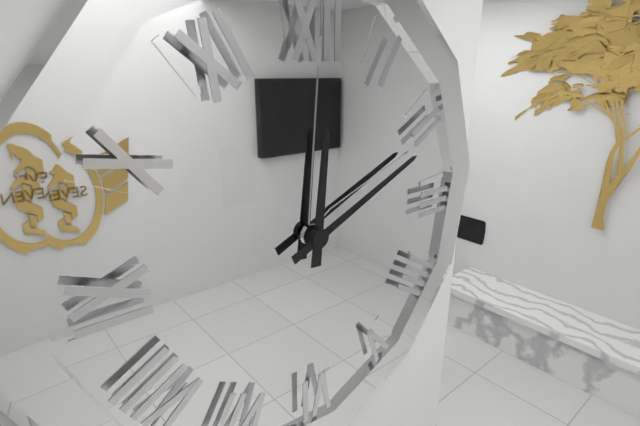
12,11
